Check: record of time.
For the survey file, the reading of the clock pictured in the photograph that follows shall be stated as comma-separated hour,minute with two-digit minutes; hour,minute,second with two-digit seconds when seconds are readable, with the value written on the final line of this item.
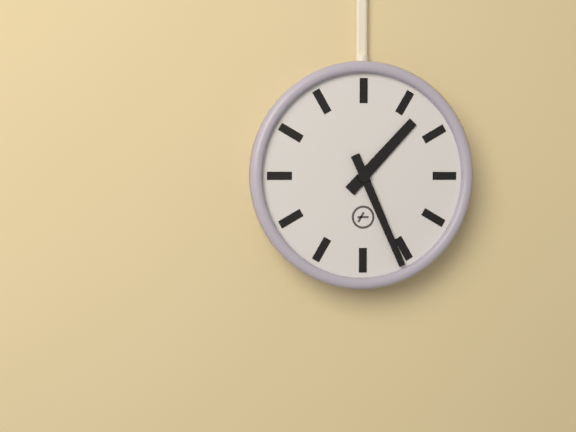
1,26
